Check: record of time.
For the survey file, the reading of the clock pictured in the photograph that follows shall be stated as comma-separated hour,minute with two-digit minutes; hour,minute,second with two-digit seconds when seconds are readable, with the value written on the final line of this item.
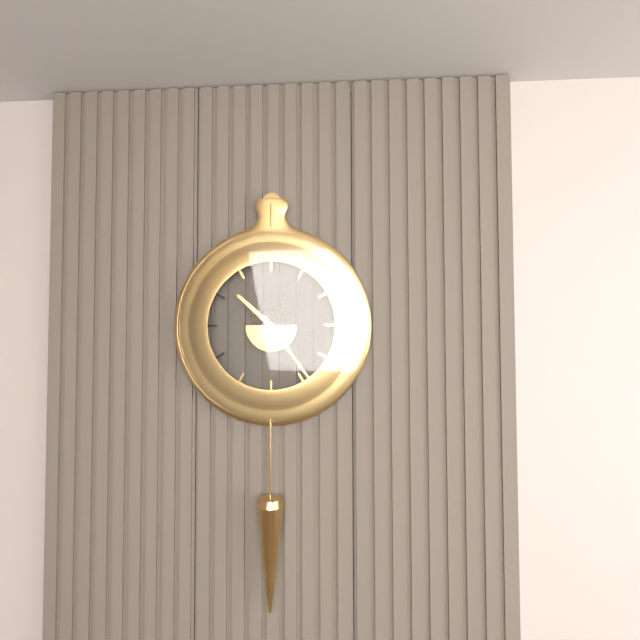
10,24
